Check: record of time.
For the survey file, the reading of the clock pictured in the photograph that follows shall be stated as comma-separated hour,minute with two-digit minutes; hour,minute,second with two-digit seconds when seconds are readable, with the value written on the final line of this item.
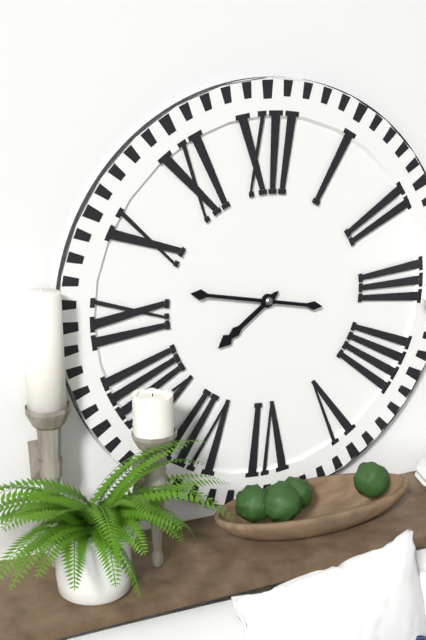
7,47
